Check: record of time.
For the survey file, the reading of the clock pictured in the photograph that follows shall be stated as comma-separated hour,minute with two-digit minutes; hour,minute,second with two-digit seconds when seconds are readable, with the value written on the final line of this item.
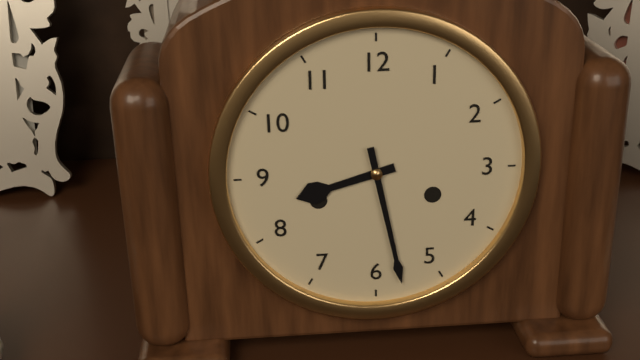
8,28
